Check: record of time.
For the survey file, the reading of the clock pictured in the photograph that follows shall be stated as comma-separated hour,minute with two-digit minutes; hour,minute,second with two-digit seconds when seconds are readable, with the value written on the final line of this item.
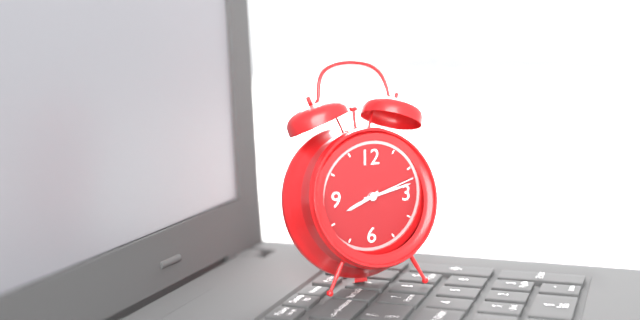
8,13,12
